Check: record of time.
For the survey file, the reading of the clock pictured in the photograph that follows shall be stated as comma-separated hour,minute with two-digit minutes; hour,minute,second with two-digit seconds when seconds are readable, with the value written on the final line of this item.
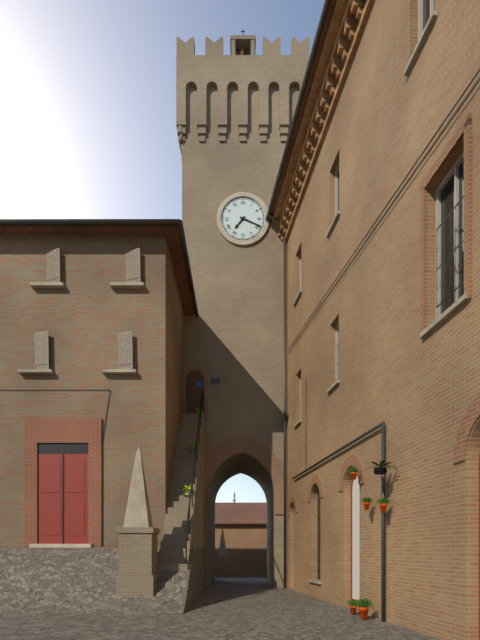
7,19
